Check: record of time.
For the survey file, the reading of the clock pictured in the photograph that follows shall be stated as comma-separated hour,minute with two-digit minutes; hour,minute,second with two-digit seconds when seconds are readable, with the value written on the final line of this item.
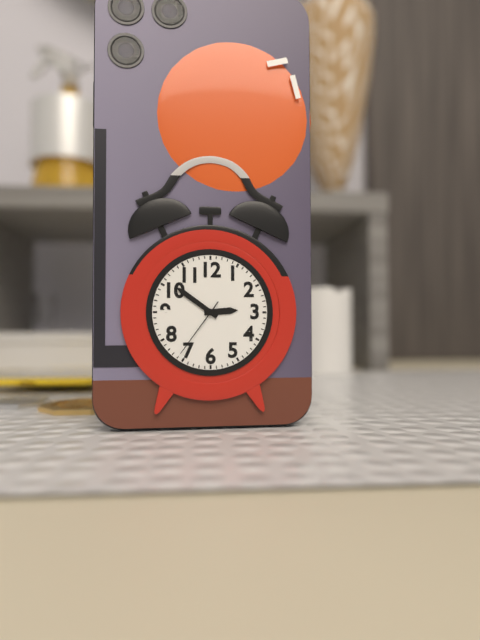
2,51,36
